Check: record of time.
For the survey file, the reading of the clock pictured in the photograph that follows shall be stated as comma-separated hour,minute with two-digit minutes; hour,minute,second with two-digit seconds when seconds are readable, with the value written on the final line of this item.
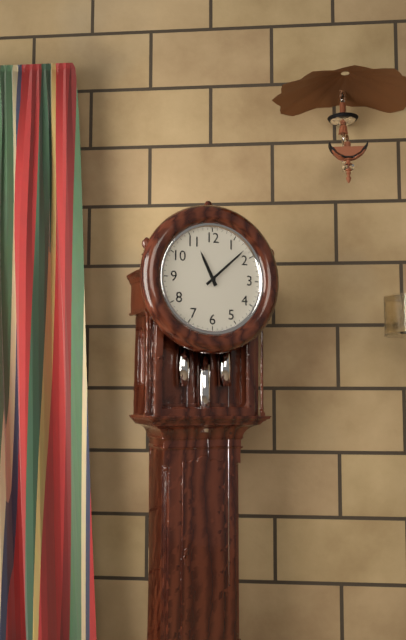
11,08
